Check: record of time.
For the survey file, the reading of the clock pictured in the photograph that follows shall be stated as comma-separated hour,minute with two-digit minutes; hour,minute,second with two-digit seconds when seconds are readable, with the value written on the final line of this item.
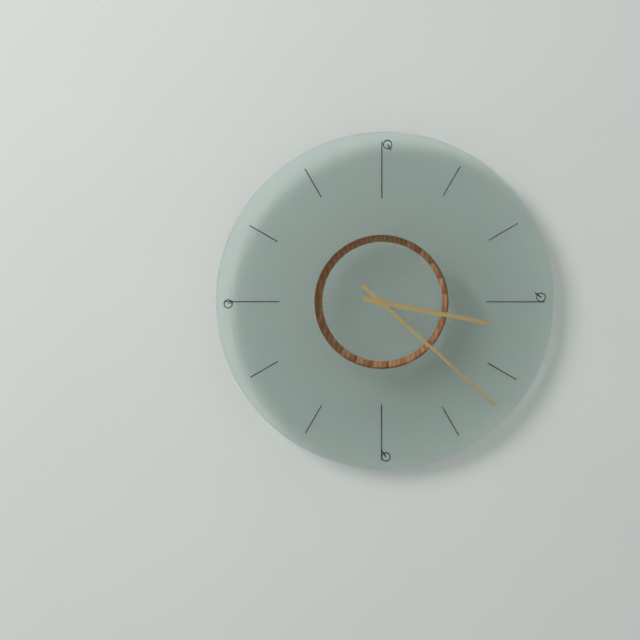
3,22
